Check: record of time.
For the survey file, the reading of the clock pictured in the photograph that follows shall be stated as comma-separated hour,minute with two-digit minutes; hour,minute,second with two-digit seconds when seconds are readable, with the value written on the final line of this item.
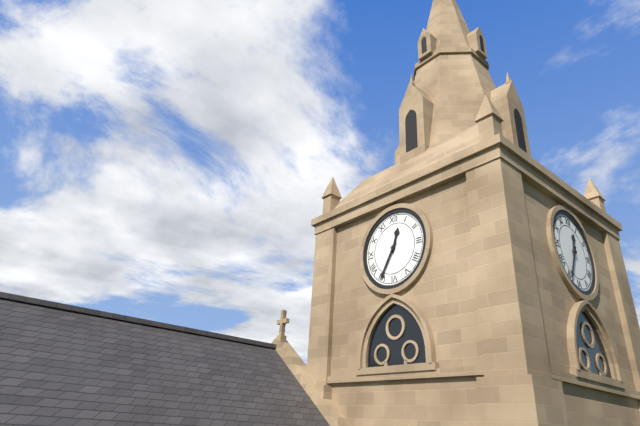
12,35
